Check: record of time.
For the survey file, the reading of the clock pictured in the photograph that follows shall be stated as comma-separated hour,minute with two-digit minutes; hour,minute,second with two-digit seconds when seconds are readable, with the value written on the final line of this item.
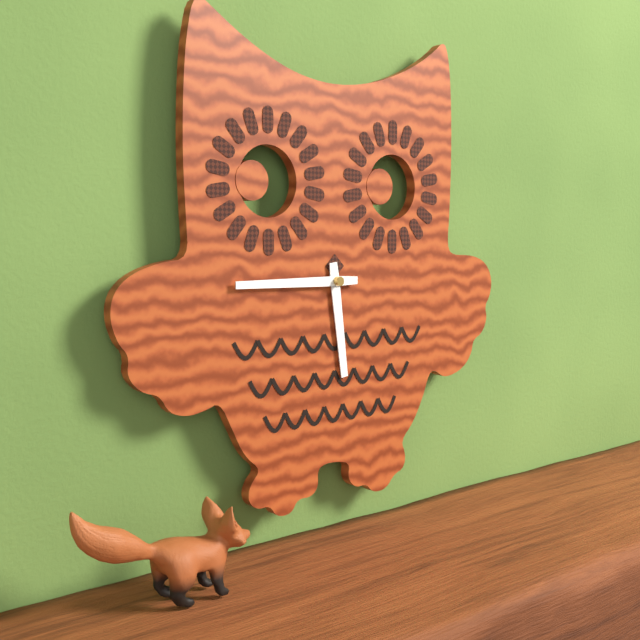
5,45
